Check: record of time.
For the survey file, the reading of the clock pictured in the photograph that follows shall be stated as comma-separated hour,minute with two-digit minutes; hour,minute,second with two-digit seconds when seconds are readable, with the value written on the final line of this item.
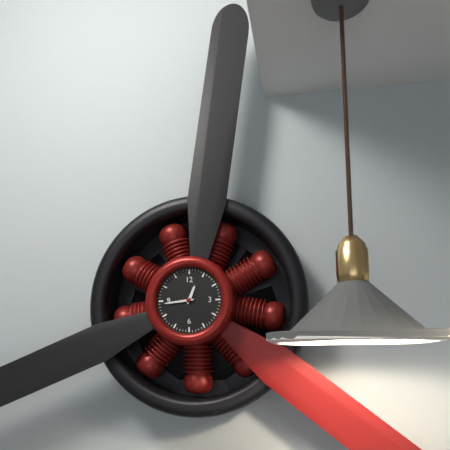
12,44
